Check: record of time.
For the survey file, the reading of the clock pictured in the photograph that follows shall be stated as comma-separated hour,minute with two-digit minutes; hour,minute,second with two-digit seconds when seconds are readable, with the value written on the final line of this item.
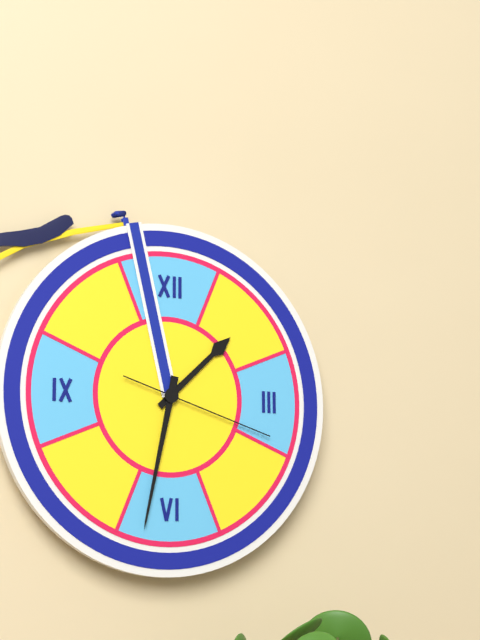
1,32,18
